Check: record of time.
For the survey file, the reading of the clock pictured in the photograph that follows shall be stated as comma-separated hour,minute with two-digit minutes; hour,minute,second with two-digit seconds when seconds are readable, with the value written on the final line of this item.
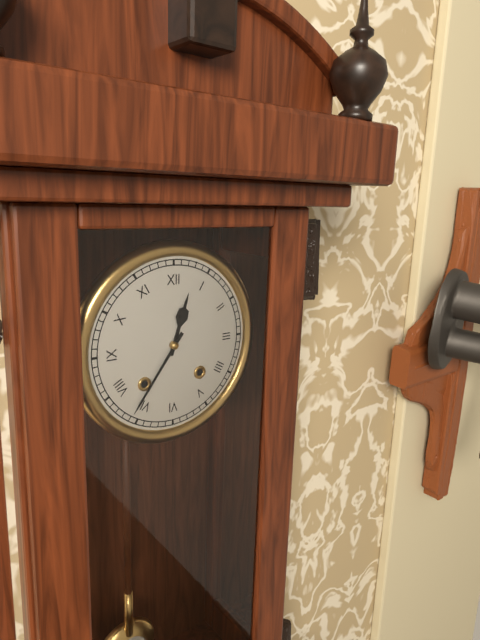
12,36
